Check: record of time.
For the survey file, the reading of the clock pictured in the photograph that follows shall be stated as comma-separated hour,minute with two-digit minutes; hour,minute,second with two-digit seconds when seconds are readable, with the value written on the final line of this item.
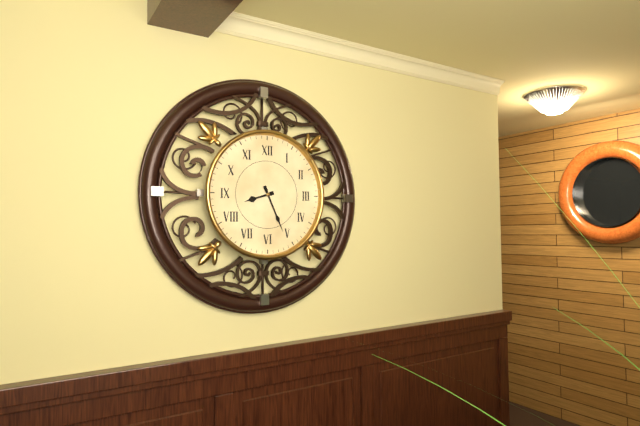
8,26
